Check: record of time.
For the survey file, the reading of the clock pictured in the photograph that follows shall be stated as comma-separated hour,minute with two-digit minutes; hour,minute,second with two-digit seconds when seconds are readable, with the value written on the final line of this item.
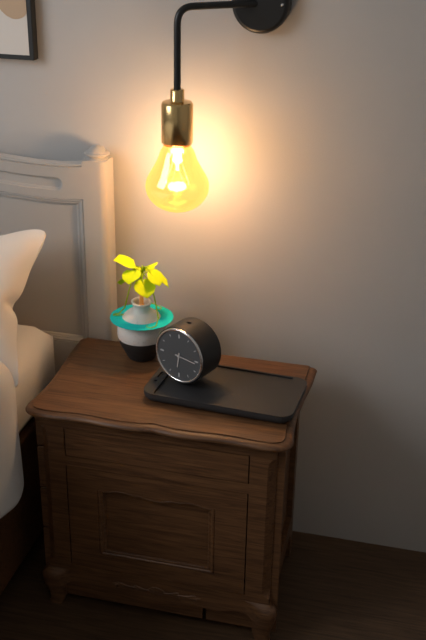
6,16
